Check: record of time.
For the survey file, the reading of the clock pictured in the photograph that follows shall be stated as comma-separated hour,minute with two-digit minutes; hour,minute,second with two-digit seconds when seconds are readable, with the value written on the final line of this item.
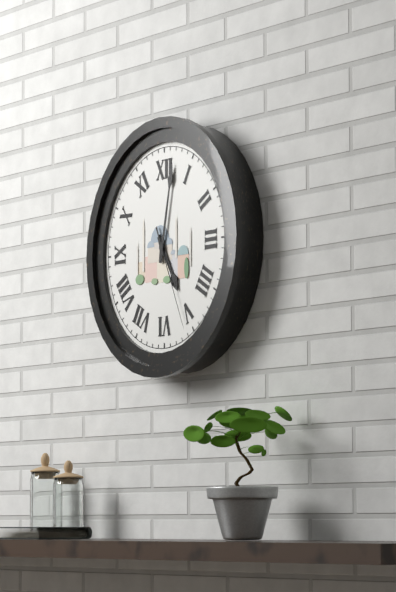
5,02,26
